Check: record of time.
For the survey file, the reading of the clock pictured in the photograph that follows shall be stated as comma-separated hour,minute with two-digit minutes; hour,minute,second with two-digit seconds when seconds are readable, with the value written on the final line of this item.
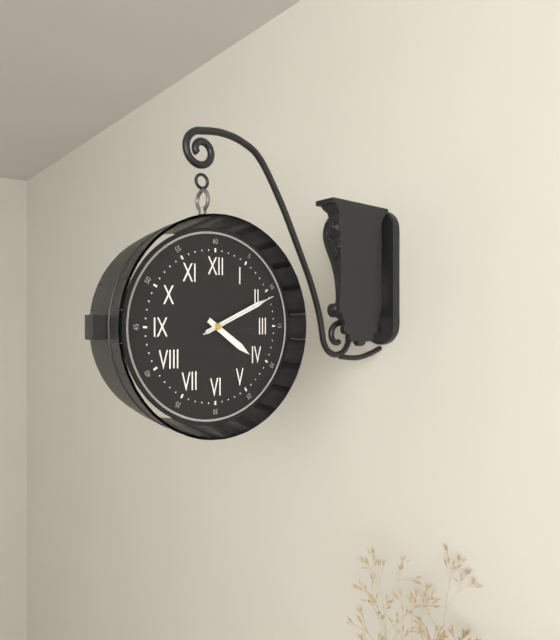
4,11,11
